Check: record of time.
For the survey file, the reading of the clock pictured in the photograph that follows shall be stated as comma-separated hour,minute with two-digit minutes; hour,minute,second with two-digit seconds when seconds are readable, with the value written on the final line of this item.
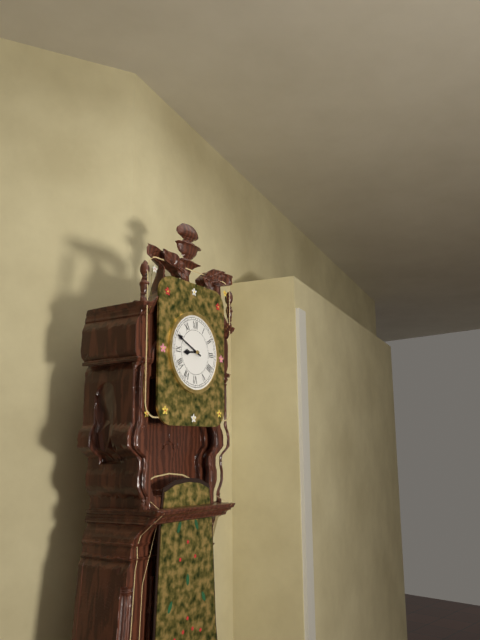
8,49
